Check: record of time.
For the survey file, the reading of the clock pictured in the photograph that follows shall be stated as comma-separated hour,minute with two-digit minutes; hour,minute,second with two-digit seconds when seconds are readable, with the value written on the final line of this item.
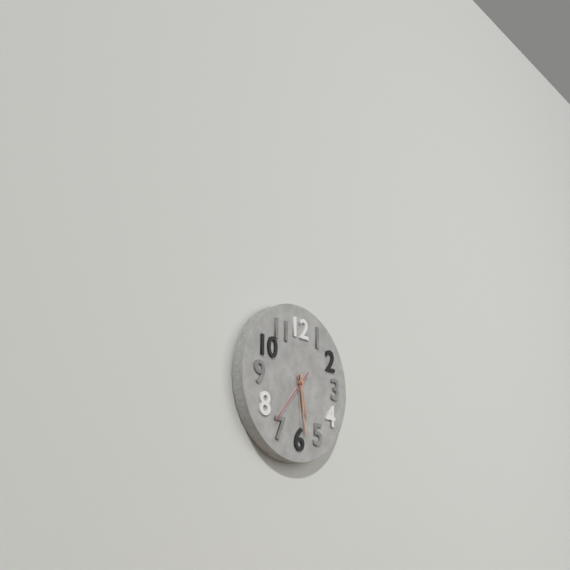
5,29,37
